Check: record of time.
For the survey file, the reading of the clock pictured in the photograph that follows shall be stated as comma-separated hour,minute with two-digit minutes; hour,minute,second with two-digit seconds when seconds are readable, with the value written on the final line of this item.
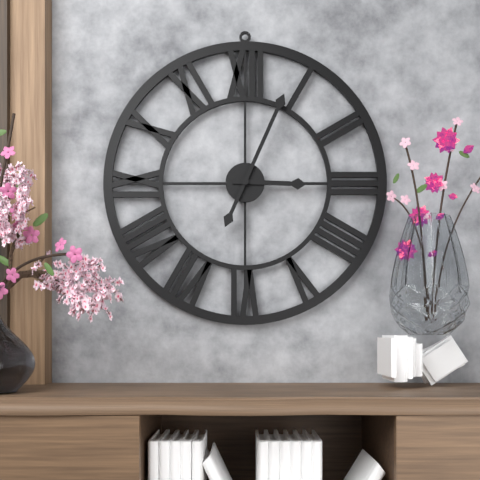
3,04
